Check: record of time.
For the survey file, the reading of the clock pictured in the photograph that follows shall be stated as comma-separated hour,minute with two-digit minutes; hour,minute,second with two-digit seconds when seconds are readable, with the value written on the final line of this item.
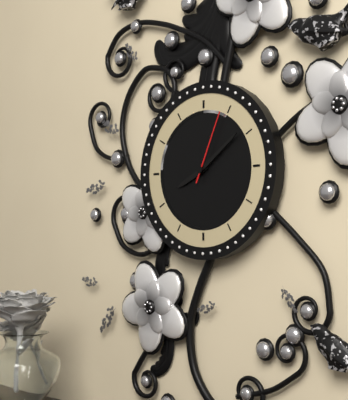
8,09,04
